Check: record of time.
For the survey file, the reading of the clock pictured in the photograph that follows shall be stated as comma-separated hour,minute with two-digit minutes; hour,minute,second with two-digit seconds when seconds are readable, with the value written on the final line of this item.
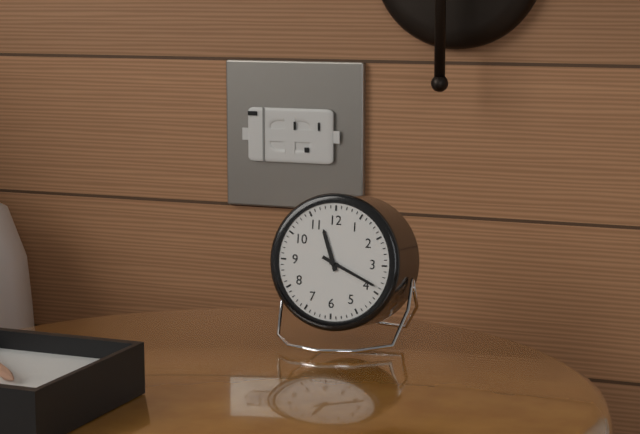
11,19
